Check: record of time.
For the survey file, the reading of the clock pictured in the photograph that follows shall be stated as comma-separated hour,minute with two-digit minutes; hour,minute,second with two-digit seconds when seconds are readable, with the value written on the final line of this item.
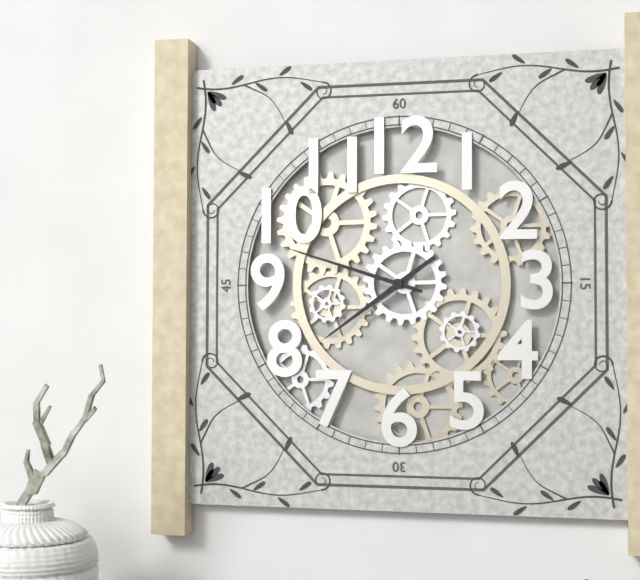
7,48
